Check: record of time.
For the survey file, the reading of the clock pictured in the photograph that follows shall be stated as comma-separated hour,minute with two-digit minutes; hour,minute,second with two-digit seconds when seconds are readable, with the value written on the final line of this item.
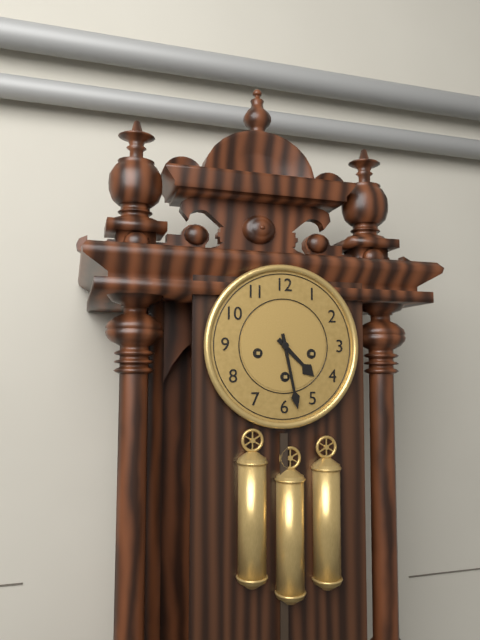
4,28
